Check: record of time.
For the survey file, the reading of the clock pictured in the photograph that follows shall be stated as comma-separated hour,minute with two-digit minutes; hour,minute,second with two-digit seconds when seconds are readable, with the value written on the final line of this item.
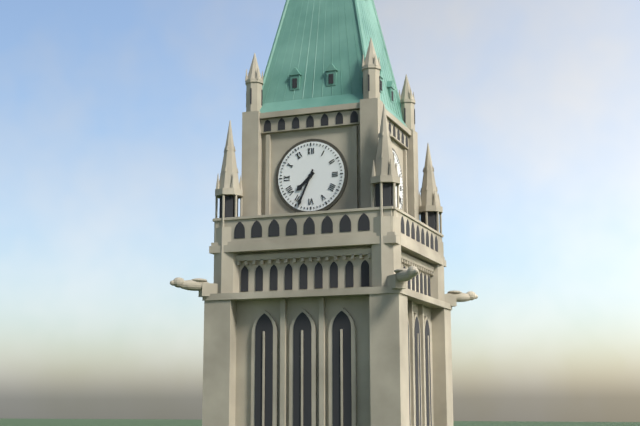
7,34
